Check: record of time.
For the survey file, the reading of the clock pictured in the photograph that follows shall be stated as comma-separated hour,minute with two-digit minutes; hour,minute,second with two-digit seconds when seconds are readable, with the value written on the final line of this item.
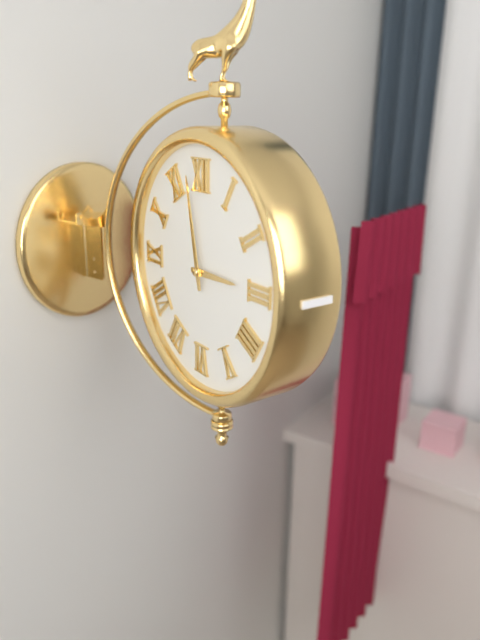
2,58
